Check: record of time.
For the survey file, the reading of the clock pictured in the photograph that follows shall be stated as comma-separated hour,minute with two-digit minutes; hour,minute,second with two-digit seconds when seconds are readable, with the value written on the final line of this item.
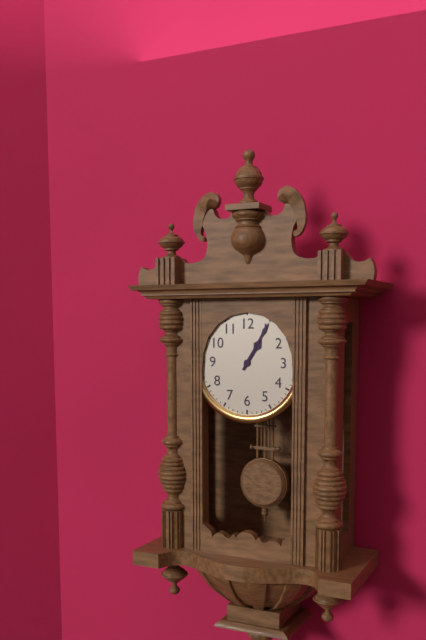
1,05
